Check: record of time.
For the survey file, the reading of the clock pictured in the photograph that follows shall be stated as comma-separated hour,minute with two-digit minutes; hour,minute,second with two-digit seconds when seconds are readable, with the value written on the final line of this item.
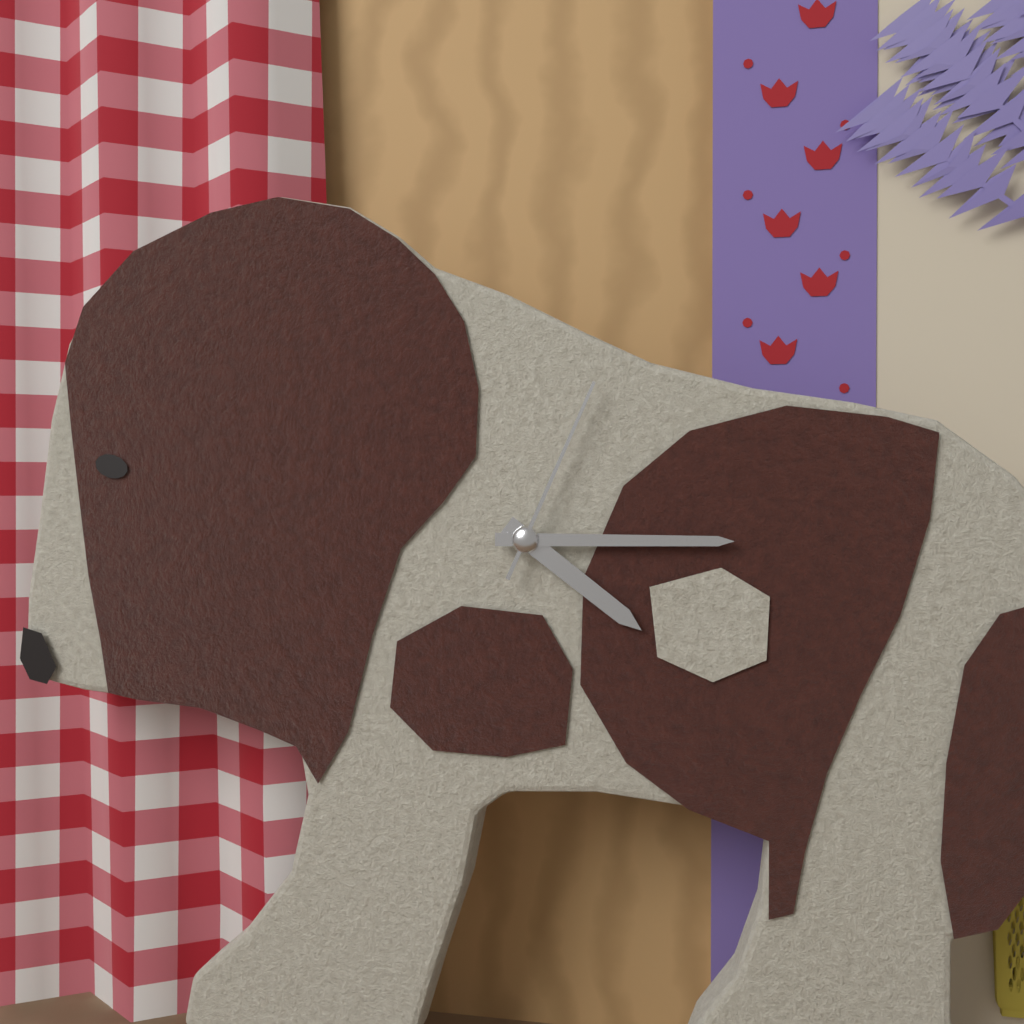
4,15,04
